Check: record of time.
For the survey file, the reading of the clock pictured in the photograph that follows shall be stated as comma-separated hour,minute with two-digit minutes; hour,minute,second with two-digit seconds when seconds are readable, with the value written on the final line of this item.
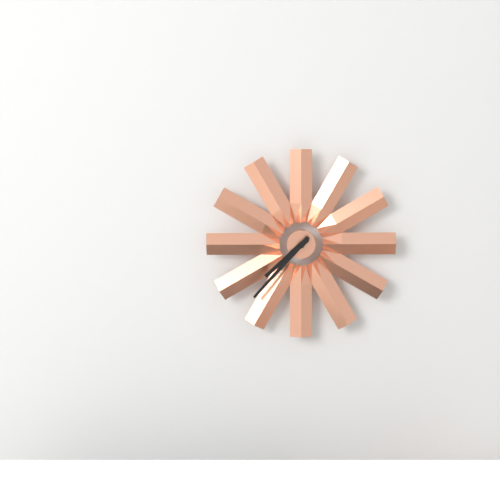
7,37
